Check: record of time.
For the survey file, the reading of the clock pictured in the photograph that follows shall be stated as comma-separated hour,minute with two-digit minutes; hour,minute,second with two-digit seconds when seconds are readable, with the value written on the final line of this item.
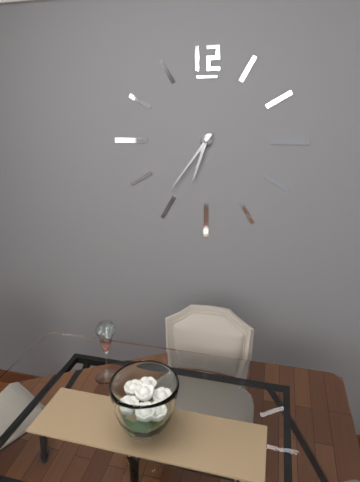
6,36
